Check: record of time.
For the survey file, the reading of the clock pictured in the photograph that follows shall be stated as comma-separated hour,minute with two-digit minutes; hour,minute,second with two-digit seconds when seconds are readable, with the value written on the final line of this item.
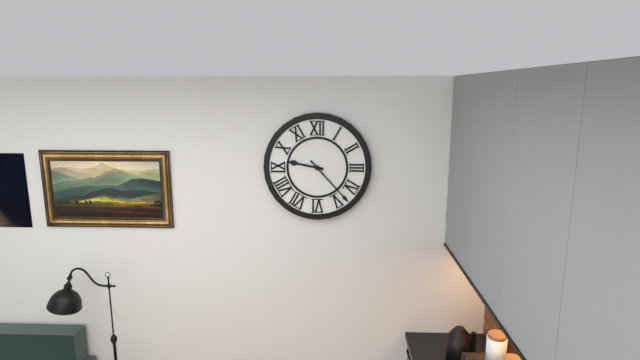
9,23
